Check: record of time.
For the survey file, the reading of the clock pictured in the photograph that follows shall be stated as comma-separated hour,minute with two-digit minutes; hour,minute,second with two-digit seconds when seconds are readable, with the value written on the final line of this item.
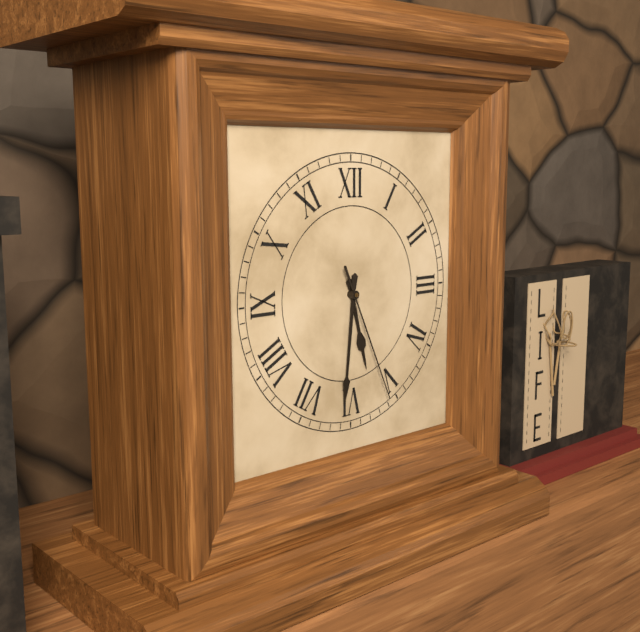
5,31,26
